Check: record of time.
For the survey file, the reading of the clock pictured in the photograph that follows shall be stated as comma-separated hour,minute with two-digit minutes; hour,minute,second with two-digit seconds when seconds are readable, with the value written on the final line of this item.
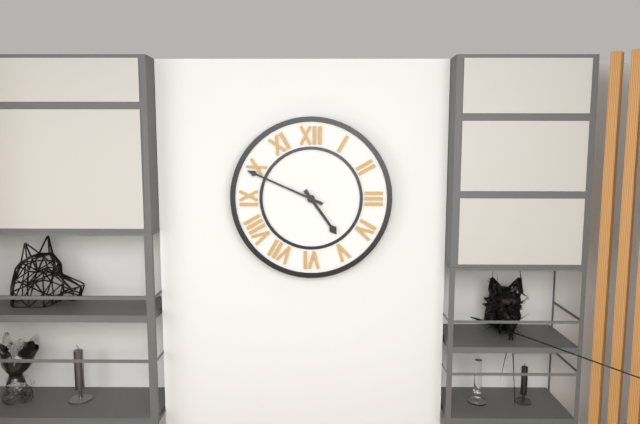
4,49
